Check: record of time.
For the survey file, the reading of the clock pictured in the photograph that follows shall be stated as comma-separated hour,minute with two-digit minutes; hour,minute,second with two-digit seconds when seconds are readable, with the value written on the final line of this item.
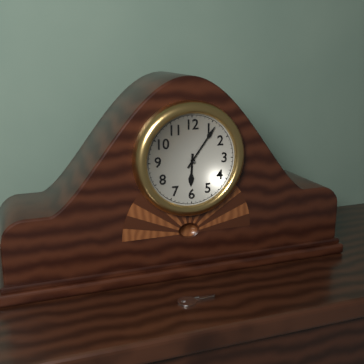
6,06
